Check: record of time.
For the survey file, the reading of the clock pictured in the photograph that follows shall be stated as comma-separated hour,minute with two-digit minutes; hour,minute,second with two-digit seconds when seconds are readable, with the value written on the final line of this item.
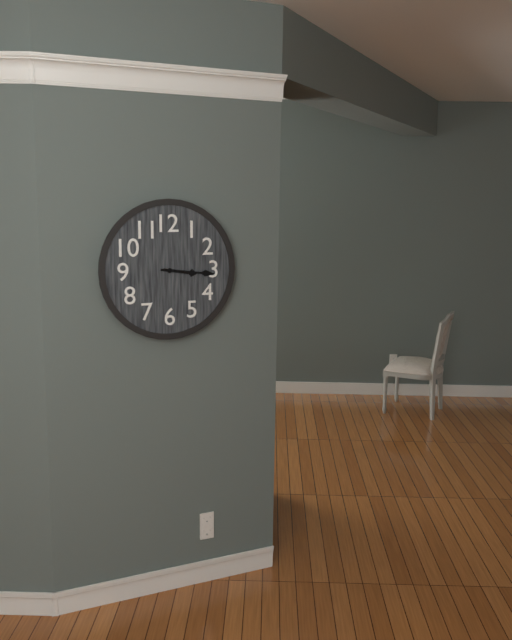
3,16
